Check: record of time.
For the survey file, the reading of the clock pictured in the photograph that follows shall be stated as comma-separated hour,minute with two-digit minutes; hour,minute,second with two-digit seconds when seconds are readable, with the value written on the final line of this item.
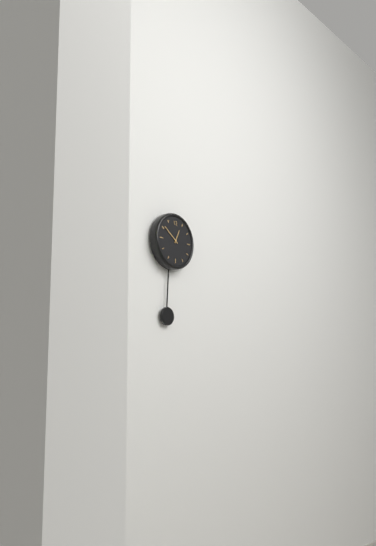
12,51
